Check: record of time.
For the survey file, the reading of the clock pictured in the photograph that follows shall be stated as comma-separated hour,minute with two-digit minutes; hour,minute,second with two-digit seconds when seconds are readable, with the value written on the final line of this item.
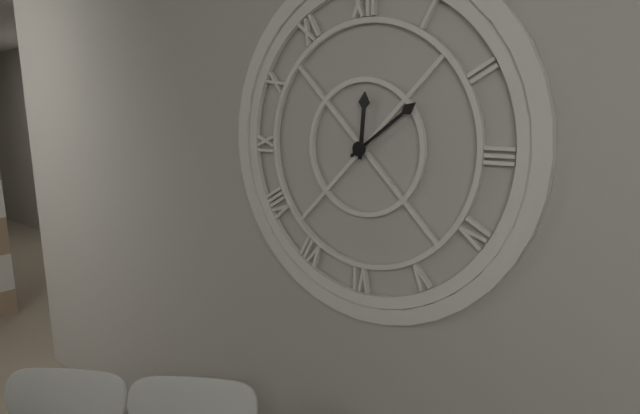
12,09
